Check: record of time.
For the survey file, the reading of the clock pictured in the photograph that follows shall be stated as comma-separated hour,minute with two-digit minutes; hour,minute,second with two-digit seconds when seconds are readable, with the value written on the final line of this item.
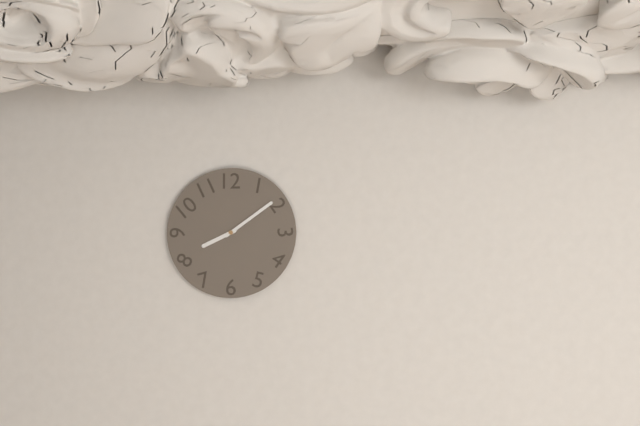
8,09
